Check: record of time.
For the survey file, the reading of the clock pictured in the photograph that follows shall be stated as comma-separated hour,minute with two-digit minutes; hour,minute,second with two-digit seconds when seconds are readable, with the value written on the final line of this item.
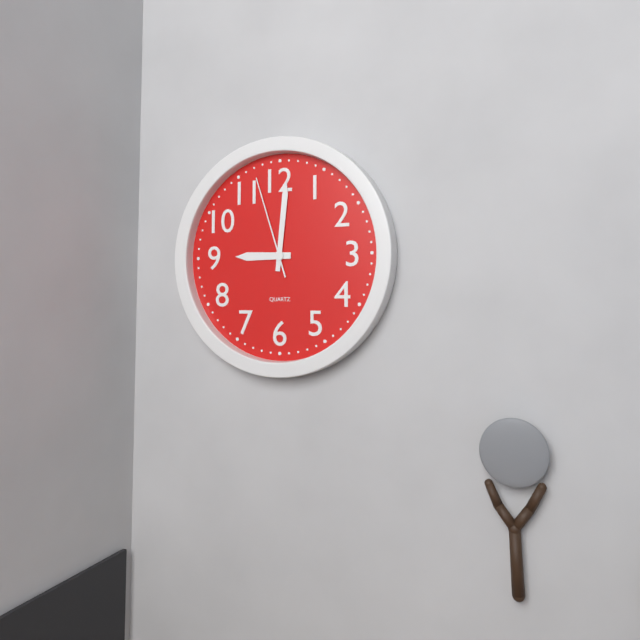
9,01,57
